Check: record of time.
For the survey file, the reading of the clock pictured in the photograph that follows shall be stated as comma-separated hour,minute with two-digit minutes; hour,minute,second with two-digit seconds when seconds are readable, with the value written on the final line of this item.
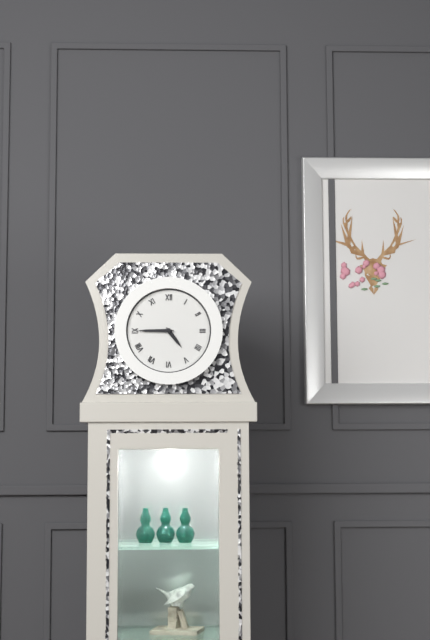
4,45
